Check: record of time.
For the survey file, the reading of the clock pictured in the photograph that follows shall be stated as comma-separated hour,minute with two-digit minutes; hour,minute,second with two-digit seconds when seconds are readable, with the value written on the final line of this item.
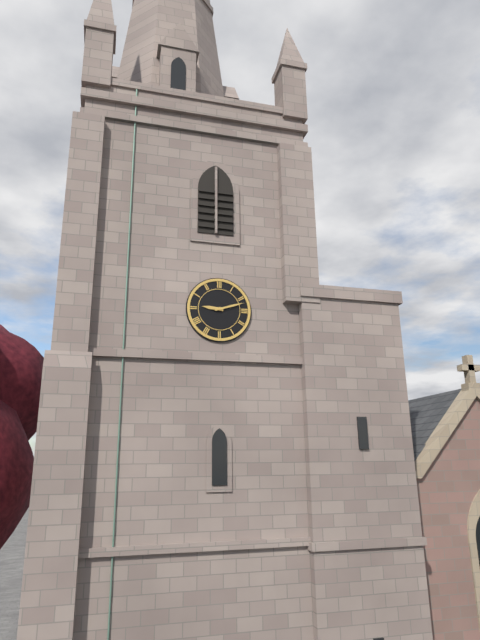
9,12
